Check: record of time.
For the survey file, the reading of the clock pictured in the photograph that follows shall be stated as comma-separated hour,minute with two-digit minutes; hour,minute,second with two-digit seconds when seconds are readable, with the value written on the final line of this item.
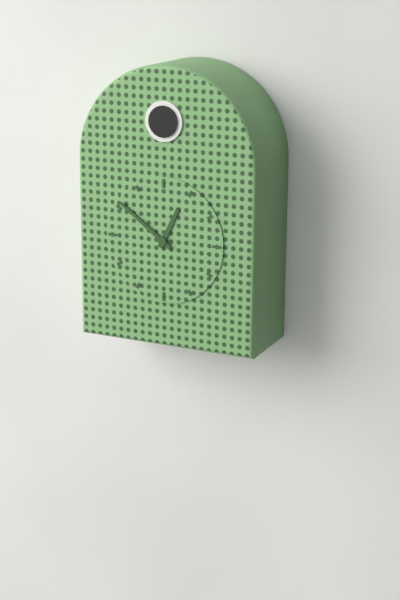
12,51
